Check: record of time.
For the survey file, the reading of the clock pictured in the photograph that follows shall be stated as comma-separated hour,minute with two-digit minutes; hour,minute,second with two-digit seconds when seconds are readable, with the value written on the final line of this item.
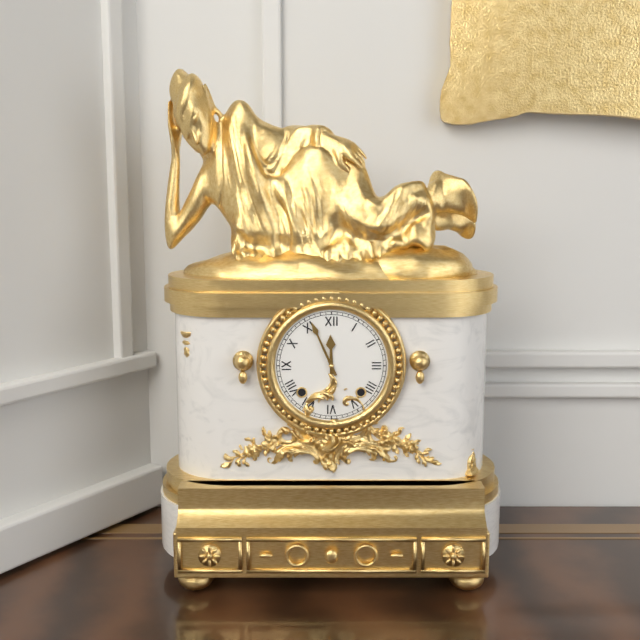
11,56
